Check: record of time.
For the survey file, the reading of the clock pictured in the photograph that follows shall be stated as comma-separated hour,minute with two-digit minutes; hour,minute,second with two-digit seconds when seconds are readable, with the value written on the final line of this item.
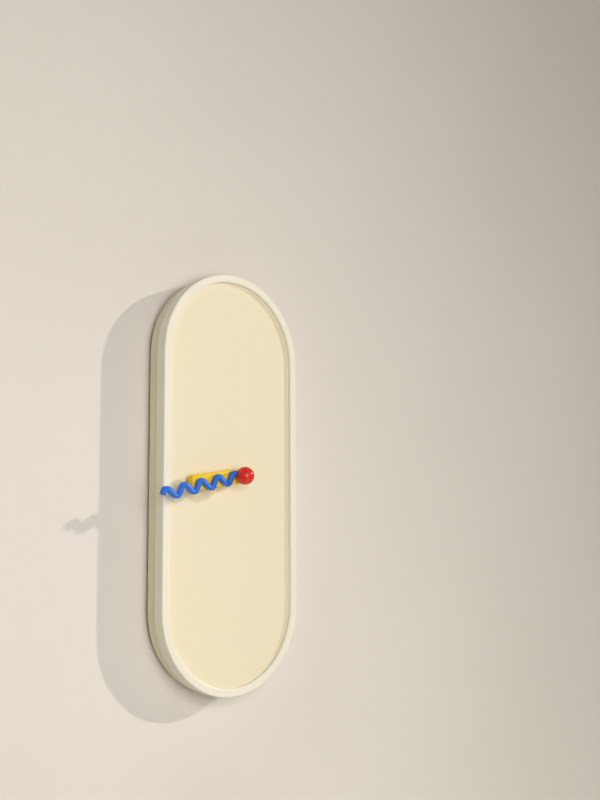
8,43
